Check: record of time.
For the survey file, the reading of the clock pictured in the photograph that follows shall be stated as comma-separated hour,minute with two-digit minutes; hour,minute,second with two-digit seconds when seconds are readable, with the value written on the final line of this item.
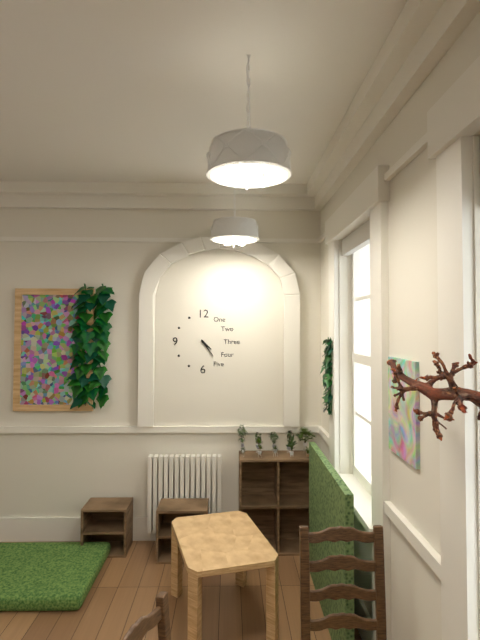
4,24
